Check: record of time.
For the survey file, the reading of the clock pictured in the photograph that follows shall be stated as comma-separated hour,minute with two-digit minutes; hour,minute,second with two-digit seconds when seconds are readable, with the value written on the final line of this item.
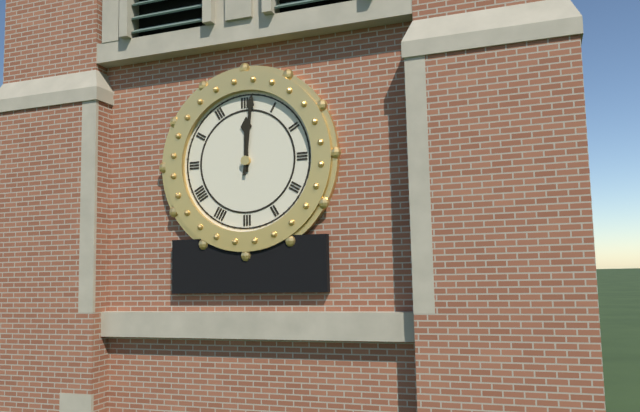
12,01
